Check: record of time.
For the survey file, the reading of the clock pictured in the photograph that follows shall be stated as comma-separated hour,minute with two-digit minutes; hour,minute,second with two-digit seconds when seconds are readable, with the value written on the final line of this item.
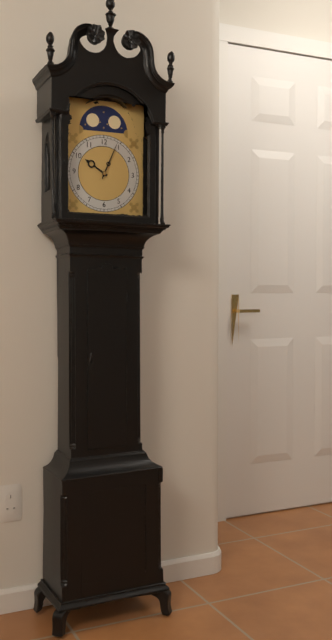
10,04
